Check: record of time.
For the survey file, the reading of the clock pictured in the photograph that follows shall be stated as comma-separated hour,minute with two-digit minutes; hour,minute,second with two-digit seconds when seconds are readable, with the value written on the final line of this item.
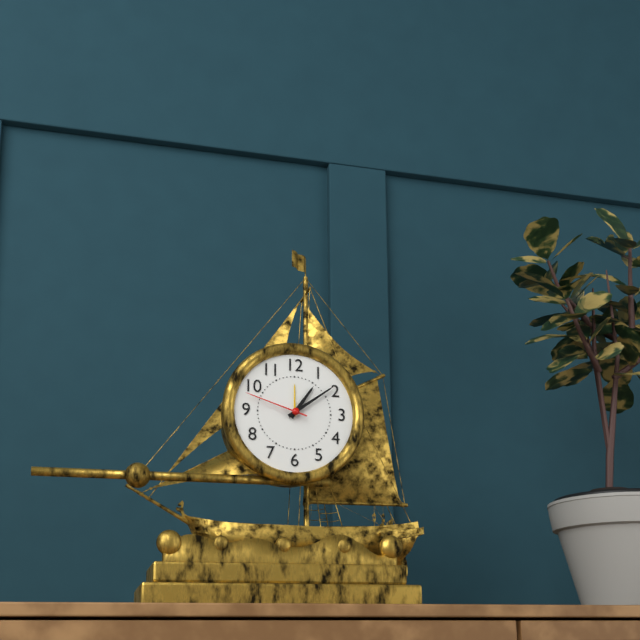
1,09,48
